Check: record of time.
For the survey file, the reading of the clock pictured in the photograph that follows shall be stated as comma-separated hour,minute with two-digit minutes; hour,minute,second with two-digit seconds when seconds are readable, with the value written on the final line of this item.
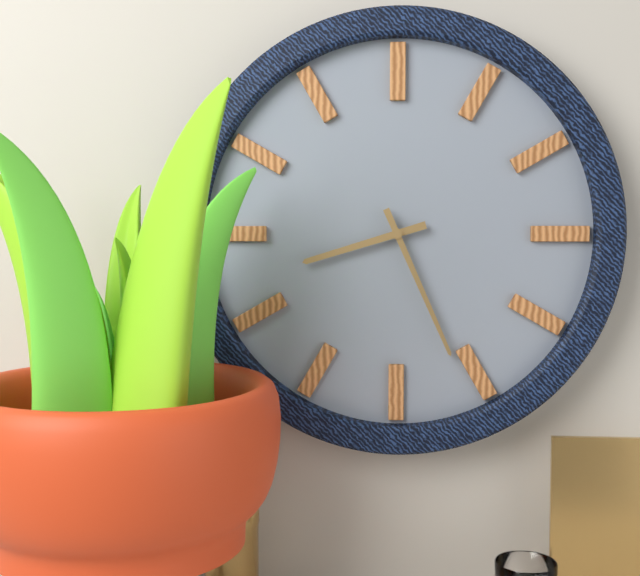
8,26
